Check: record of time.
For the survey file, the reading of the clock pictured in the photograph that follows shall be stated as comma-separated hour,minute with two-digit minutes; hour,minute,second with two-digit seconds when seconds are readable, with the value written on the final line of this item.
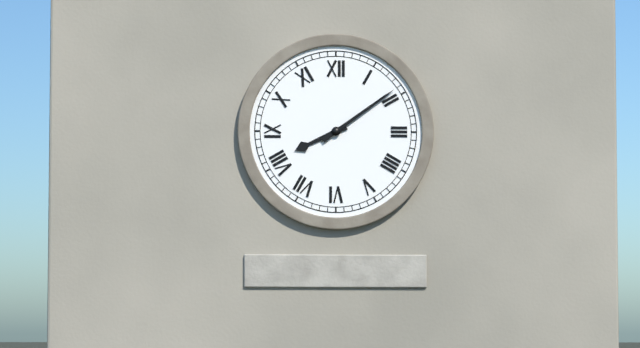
8,09
